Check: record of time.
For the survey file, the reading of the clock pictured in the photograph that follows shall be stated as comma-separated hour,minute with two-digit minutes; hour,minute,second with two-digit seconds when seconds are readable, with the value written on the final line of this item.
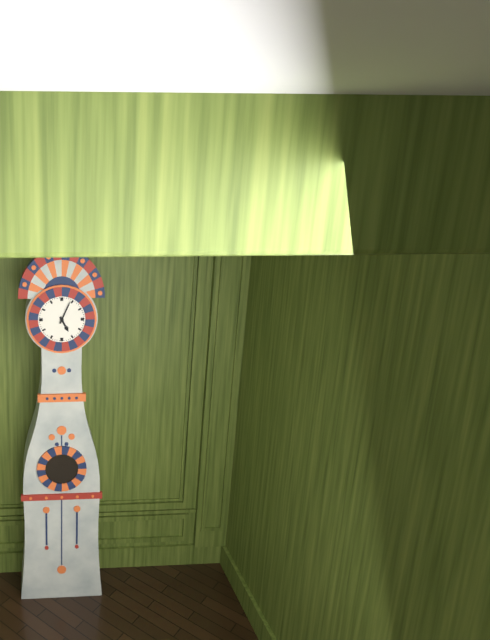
5,04
